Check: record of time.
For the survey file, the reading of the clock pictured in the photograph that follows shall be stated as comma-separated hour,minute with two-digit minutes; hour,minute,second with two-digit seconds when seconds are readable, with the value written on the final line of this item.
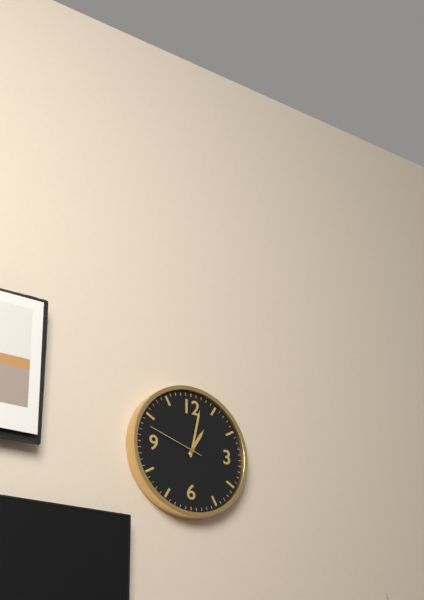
1,02,48
